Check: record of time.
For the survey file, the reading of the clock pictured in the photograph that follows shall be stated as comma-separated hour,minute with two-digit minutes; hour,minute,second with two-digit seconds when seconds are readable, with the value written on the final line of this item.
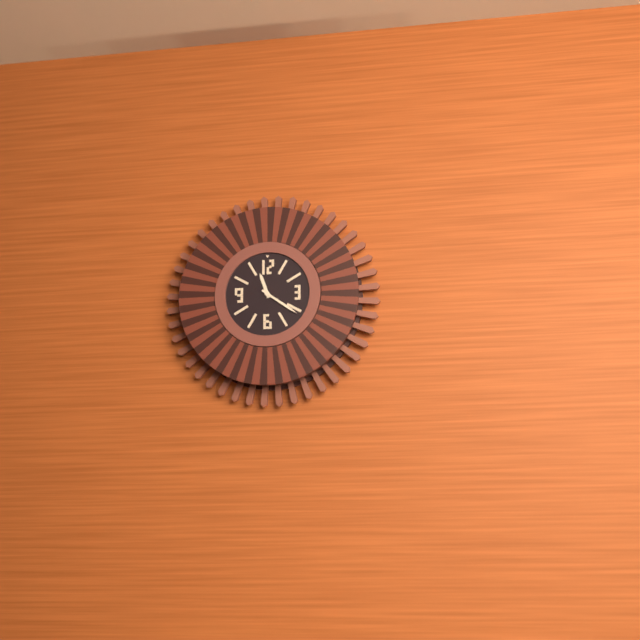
11,21
